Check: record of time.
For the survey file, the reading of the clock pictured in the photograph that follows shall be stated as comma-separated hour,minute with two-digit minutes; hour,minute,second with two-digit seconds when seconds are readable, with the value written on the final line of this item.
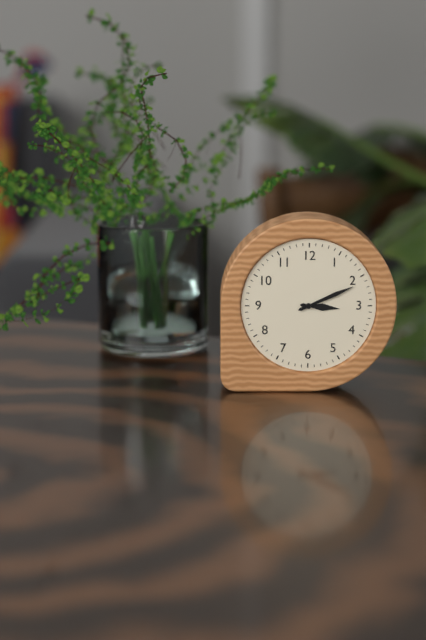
3,11
